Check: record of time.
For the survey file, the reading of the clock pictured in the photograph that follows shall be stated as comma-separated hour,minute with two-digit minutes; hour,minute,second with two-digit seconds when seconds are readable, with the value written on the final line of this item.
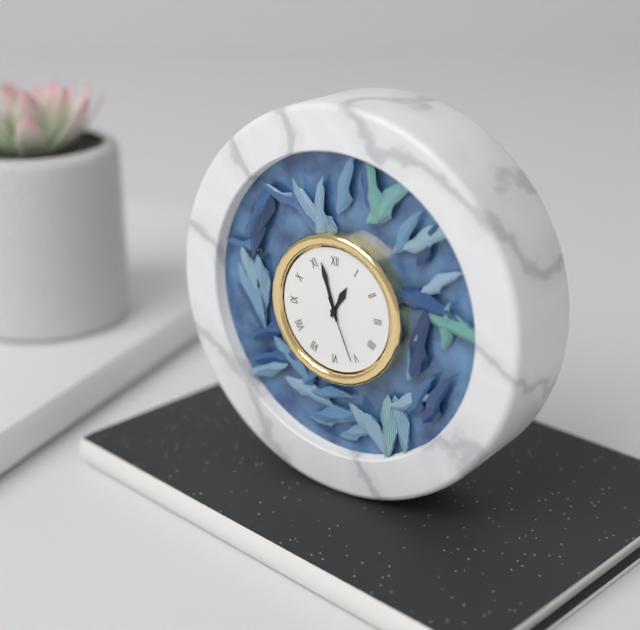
12,57,26
